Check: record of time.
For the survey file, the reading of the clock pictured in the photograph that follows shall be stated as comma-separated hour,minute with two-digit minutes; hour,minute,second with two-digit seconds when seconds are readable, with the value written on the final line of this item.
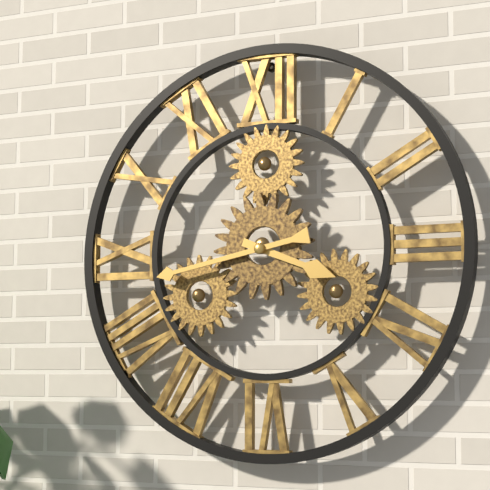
3,43
